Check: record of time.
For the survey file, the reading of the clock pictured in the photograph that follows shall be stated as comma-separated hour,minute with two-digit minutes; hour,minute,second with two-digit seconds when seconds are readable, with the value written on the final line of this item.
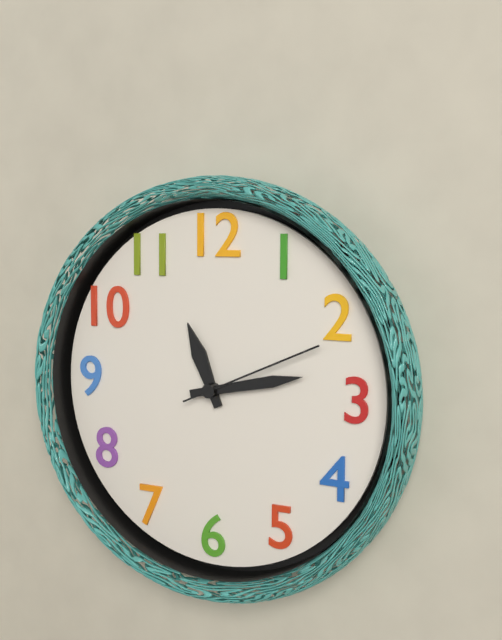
11,13,11
